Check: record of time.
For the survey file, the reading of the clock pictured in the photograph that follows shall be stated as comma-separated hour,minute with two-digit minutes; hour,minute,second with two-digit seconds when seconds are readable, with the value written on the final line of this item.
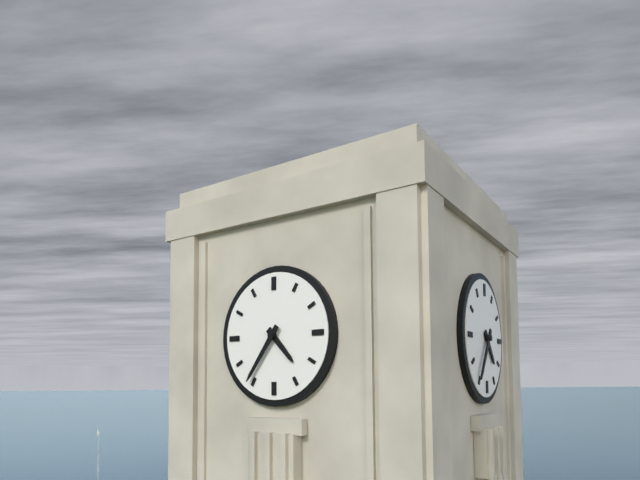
4,36
